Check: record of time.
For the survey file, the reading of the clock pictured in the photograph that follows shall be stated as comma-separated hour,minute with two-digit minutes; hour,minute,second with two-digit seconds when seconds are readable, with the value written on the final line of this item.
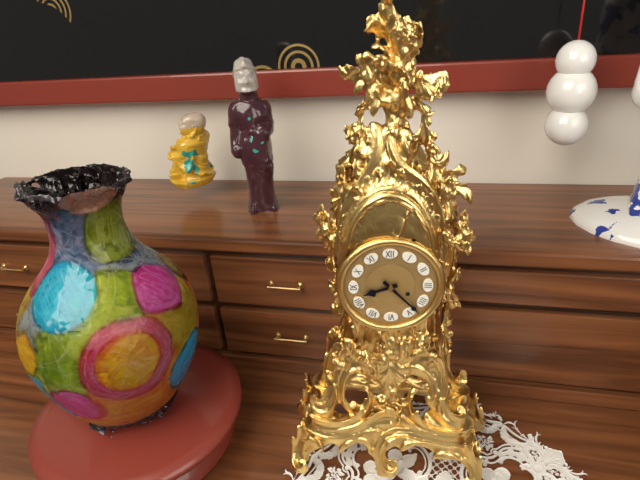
8,23
